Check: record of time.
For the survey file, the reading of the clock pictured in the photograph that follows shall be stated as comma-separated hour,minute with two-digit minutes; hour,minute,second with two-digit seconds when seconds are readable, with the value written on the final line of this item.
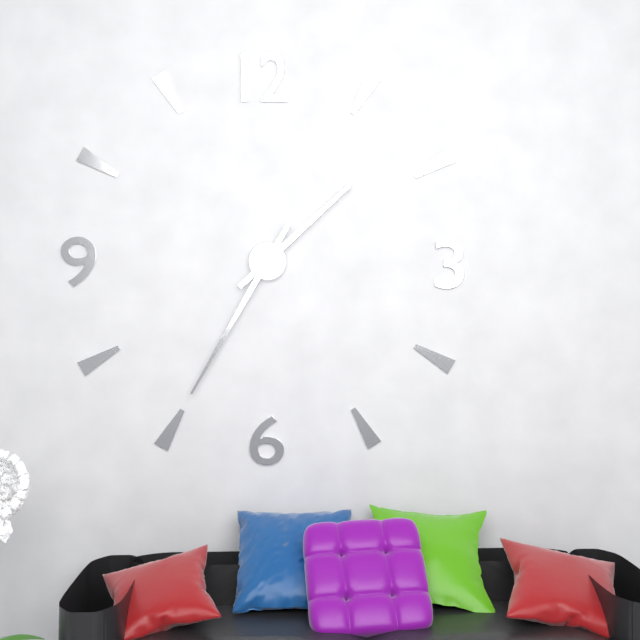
1,35
